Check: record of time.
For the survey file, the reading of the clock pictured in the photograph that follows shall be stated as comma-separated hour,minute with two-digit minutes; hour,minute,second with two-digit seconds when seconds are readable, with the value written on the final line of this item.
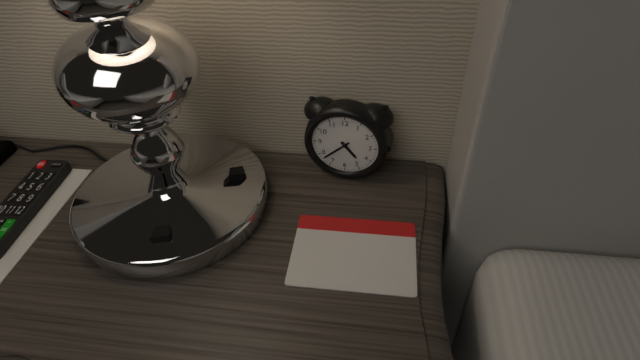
4,38
